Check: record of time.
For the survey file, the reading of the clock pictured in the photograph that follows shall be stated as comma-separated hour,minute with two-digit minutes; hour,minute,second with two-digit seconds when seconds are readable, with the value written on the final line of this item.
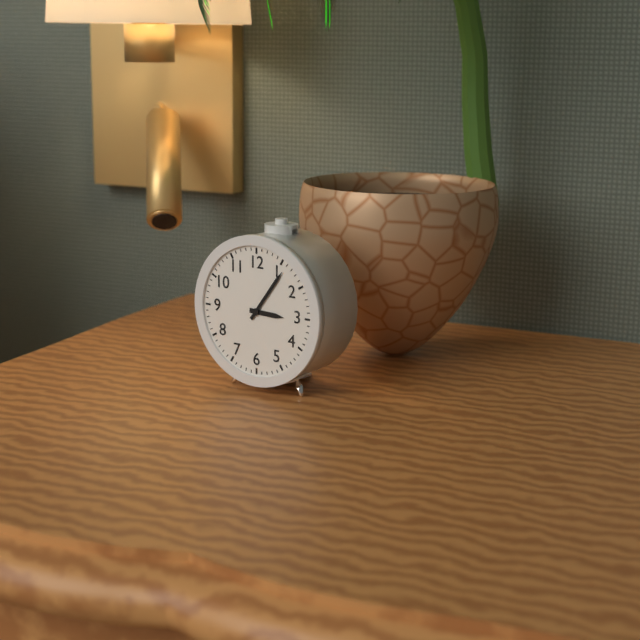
3,06
